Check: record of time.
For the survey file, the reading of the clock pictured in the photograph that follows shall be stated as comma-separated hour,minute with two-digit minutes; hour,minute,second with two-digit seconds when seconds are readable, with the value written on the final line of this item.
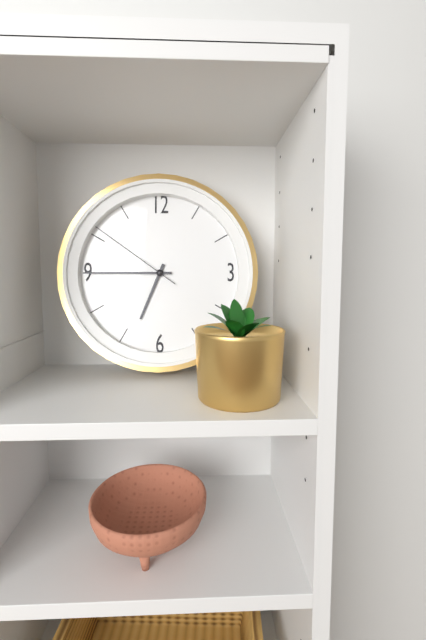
6,45,51
